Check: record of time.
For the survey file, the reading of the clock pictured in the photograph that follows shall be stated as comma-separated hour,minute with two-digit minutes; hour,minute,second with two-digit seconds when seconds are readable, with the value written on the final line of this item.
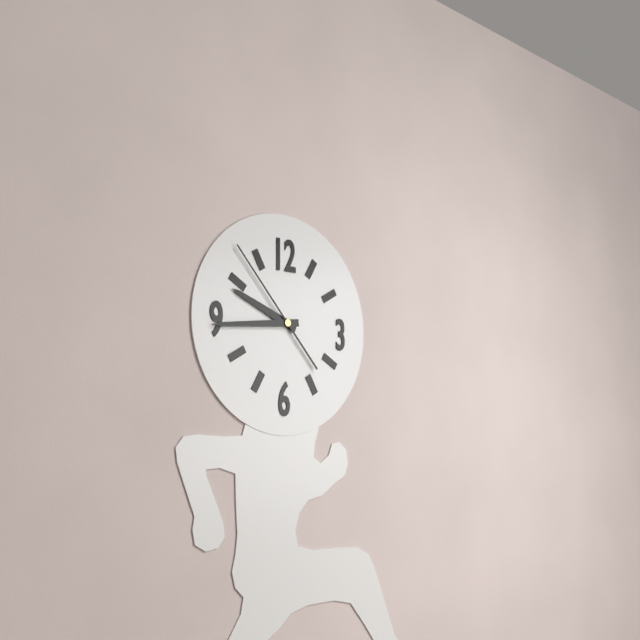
9,44,53
